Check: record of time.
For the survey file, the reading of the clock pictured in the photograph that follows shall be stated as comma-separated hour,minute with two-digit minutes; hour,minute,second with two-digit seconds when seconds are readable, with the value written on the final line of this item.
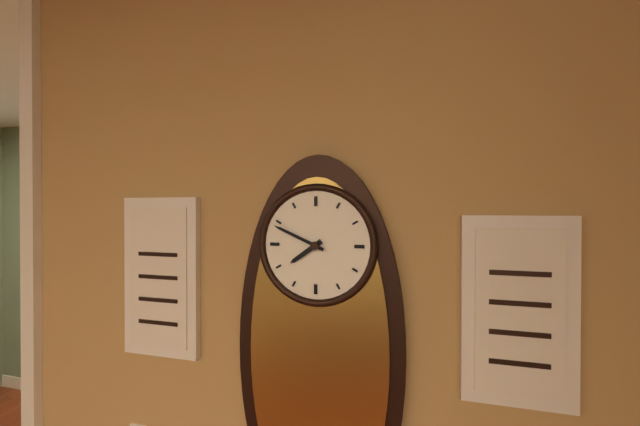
7,49
